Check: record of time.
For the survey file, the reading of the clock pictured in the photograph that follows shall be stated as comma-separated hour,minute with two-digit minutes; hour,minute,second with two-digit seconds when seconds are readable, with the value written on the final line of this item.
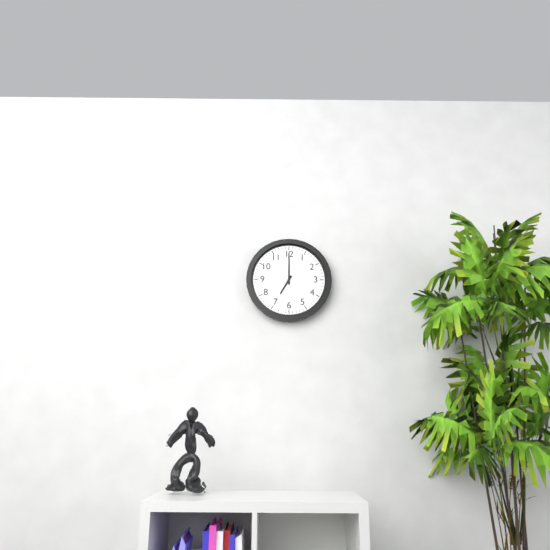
7,00
